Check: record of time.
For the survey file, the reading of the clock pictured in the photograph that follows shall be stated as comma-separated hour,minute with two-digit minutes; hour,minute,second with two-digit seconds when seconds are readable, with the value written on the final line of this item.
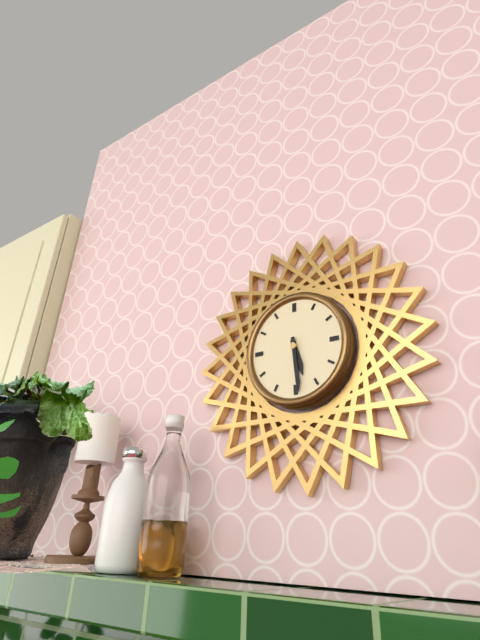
5,29
